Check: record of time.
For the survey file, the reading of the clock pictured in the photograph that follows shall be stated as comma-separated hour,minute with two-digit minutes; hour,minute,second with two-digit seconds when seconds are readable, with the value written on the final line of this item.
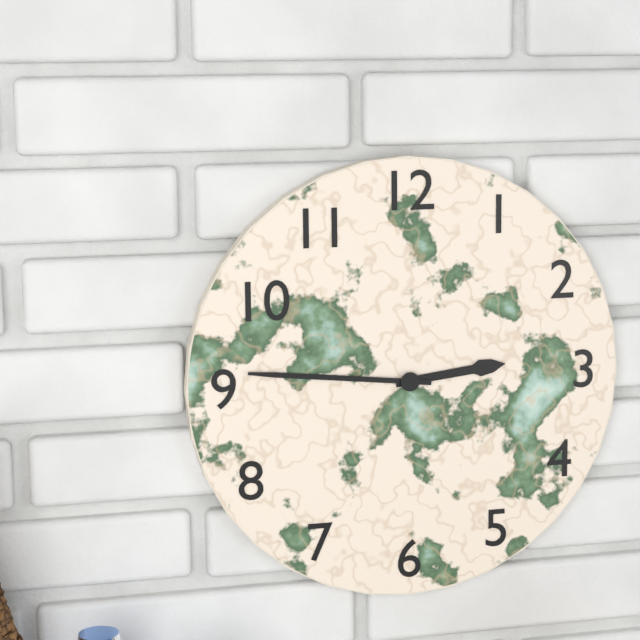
2,46
